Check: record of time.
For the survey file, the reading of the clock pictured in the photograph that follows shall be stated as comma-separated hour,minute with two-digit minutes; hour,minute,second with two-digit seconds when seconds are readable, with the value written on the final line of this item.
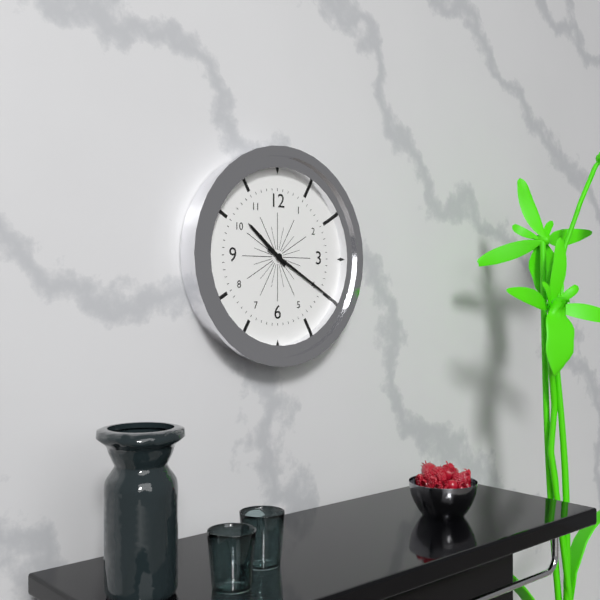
10,20
